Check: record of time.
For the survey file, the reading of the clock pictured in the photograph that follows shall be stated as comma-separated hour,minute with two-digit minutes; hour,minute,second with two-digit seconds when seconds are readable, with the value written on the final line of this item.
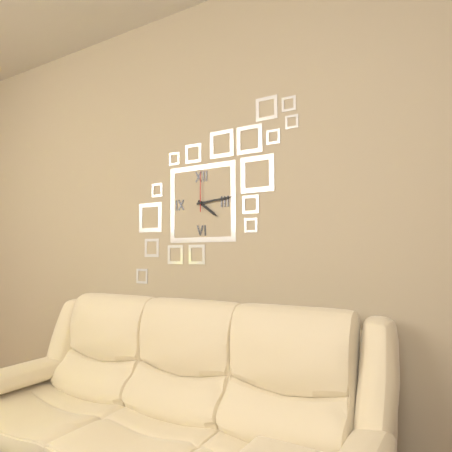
4,14
